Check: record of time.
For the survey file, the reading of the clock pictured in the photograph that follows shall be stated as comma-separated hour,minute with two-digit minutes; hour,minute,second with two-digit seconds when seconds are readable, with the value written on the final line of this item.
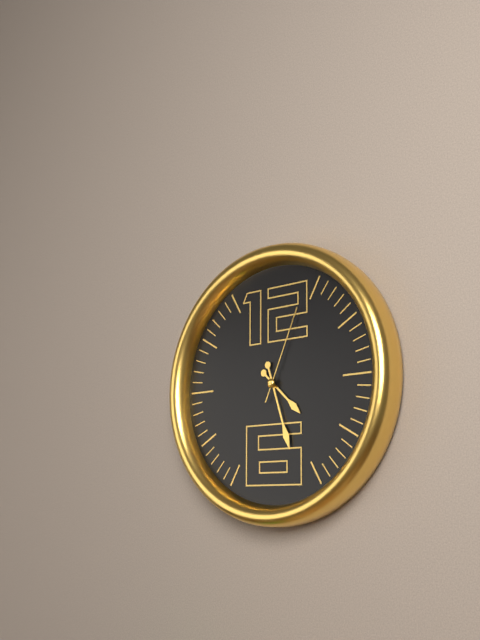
4,27,04
